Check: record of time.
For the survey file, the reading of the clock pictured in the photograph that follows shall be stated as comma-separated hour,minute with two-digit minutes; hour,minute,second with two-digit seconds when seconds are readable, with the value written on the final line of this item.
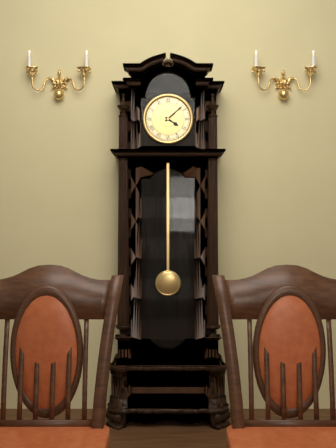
4,08
